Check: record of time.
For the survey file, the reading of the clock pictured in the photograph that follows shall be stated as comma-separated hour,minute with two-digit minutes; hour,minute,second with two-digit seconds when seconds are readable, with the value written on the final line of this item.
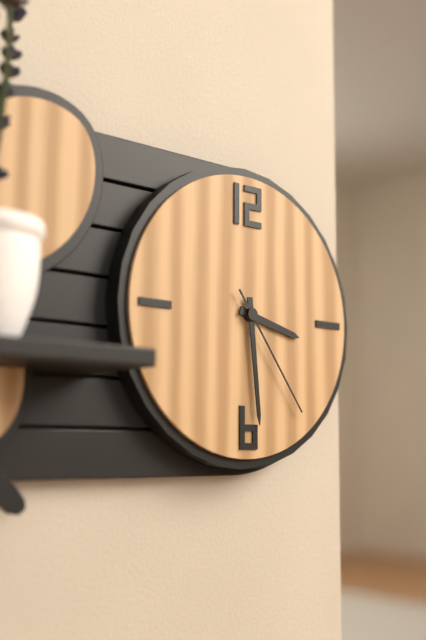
3,29,24
